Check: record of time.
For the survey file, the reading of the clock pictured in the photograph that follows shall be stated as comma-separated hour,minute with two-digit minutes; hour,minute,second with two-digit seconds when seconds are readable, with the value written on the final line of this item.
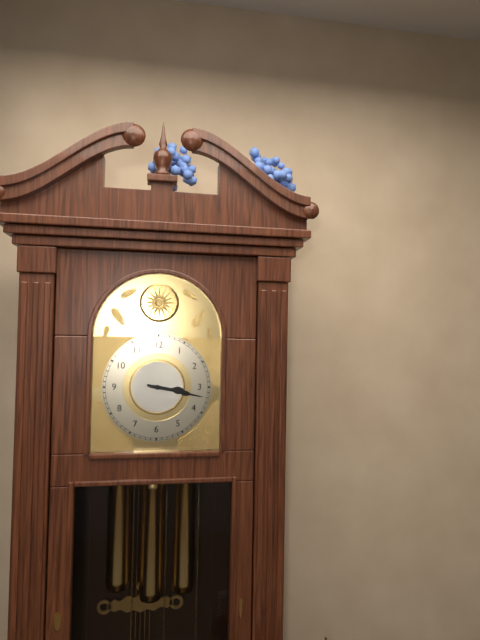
3,17
